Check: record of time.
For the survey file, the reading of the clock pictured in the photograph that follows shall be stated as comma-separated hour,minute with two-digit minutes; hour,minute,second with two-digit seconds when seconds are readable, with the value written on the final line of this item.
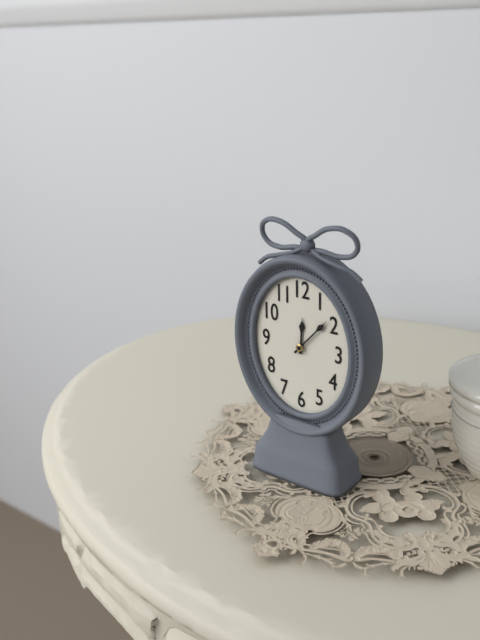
12,07
